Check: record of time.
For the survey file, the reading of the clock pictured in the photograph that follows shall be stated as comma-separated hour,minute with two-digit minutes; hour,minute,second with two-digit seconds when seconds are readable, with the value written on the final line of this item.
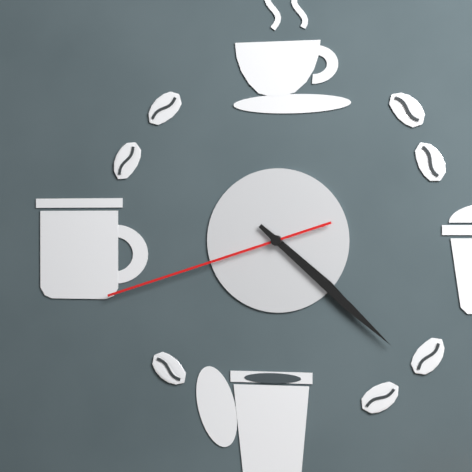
4,22,42
